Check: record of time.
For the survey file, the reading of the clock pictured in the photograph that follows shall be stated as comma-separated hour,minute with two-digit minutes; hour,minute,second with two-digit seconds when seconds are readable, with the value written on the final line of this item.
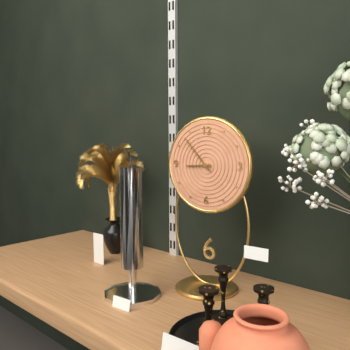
8,53
